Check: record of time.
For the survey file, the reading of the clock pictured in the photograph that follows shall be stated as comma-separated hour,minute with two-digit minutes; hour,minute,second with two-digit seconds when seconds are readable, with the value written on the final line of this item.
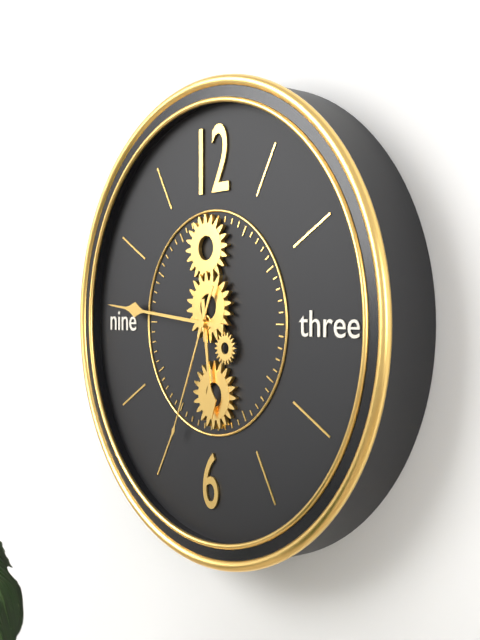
5,46,34
